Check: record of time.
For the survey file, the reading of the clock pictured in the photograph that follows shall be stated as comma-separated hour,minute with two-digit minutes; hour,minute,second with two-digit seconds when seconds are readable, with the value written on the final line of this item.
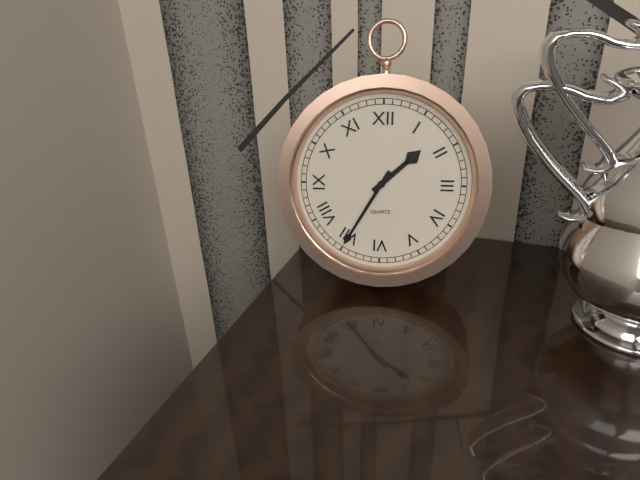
1,35
